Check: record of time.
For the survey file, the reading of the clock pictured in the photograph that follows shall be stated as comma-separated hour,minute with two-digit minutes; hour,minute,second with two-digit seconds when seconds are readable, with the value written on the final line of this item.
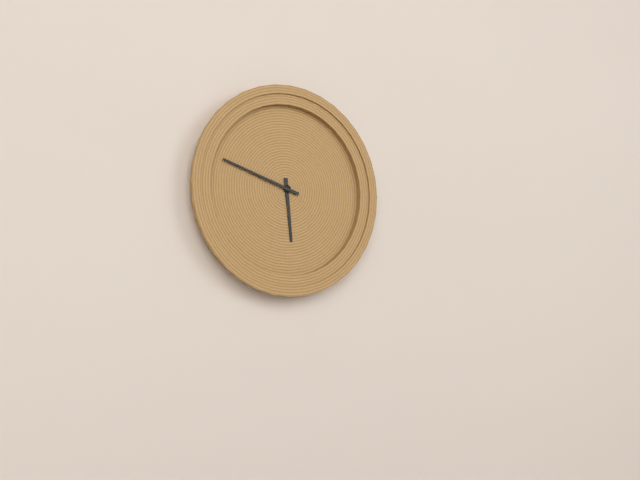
5,48
